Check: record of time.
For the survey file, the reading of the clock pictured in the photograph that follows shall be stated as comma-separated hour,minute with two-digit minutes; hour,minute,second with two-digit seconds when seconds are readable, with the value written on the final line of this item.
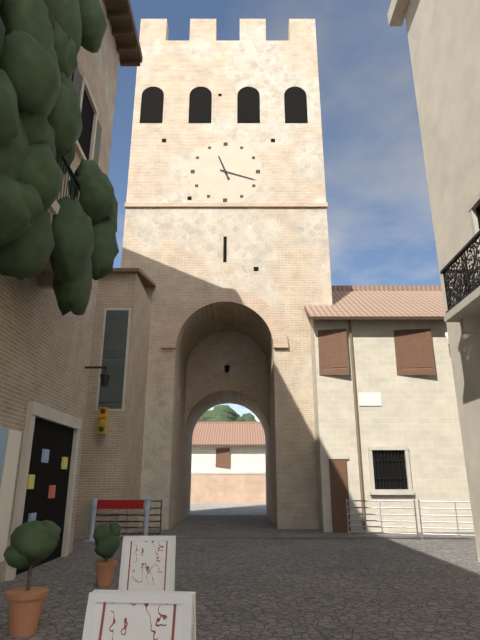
11,18
